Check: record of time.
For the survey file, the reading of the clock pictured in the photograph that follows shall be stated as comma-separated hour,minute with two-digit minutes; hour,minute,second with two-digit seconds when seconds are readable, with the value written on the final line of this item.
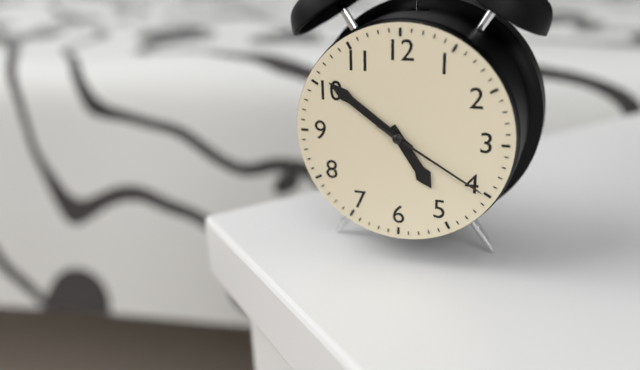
4,51,20
